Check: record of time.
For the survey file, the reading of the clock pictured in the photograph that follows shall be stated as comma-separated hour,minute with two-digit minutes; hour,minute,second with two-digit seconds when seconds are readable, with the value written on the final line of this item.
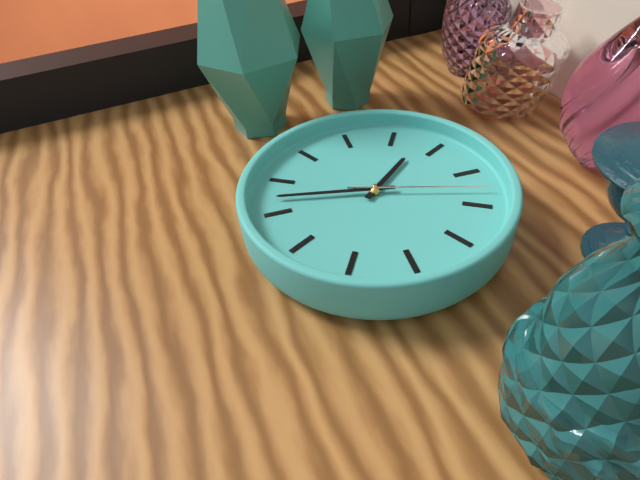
11,37,08
